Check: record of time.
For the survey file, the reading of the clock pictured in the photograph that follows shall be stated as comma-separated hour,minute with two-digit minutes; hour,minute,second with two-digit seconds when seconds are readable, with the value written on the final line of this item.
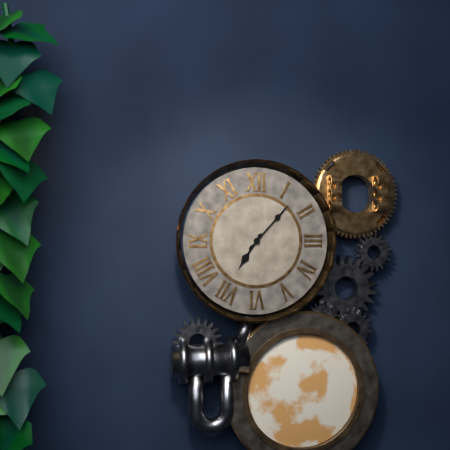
7,07
